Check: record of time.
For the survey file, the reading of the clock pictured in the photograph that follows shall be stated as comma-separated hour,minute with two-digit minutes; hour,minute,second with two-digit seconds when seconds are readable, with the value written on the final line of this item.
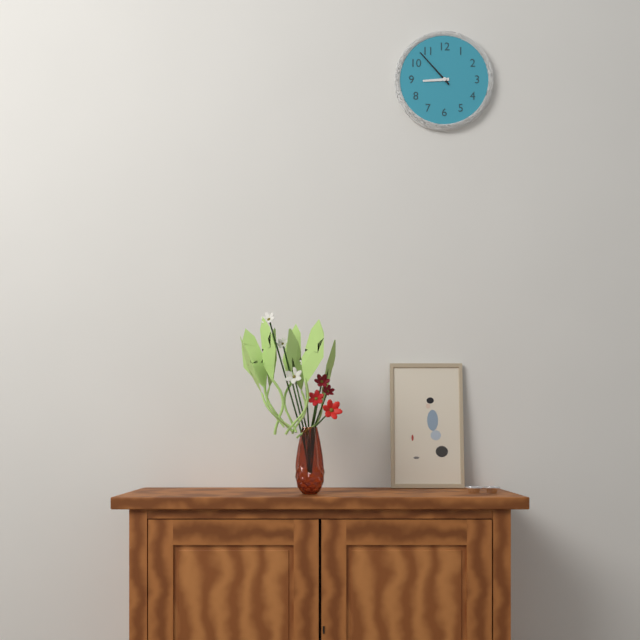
8,53
